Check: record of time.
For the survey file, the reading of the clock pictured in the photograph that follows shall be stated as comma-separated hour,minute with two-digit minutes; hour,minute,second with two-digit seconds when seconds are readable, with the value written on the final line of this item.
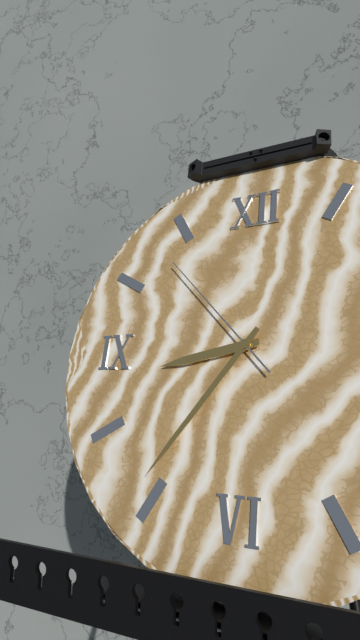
8,36,53
